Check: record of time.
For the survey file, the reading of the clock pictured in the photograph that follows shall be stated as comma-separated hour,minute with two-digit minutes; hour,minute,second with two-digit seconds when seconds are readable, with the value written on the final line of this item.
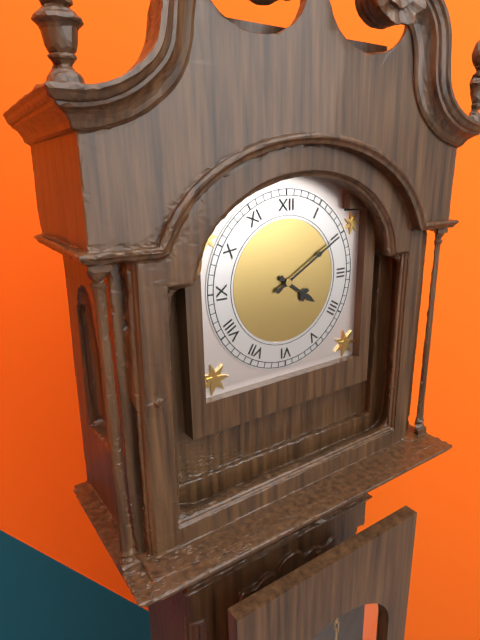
4,10
